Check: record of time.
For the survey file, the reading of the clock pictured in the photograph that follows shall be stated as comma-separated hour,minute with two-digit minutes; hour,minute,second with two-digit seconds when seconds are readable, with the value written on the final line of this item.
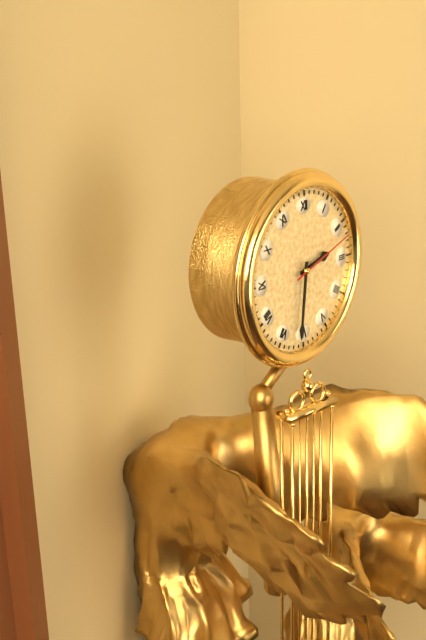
2,31,12
